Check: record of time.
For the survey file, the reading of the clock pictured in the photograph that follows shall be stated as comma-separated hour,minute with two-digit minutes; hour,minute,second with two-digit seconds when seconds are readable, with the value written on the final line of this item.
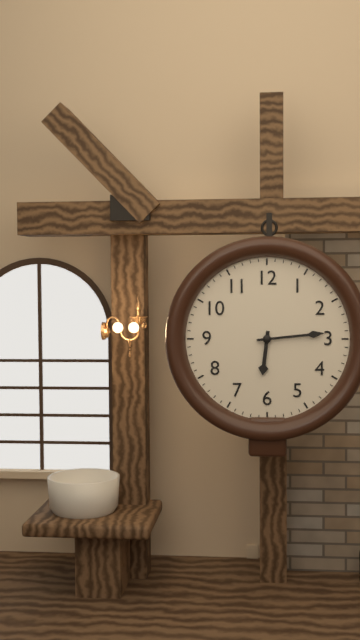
6,14
